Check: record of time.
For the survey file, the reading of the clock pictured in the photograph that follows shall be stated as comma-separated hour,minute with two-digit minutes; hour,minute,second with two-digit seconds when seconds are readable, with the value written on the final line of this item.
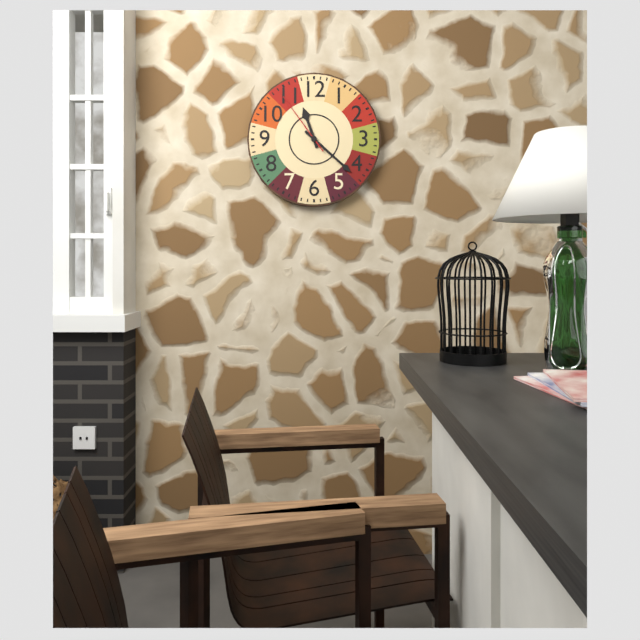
11,22,54
